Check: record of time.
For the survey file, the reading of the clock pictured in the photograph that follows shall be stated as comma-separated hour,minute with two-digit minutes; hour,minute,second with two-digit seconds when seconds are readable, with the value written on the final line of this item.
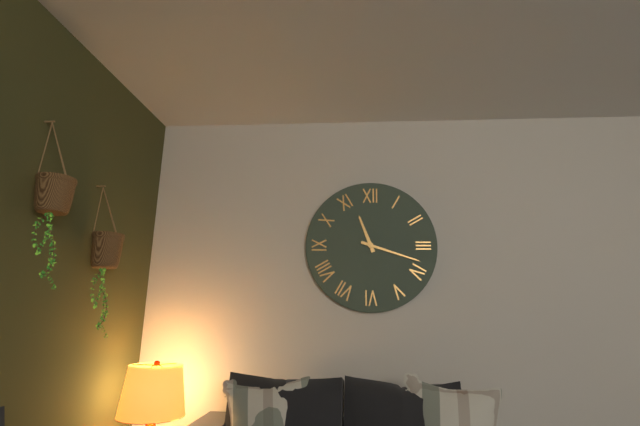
11,18
